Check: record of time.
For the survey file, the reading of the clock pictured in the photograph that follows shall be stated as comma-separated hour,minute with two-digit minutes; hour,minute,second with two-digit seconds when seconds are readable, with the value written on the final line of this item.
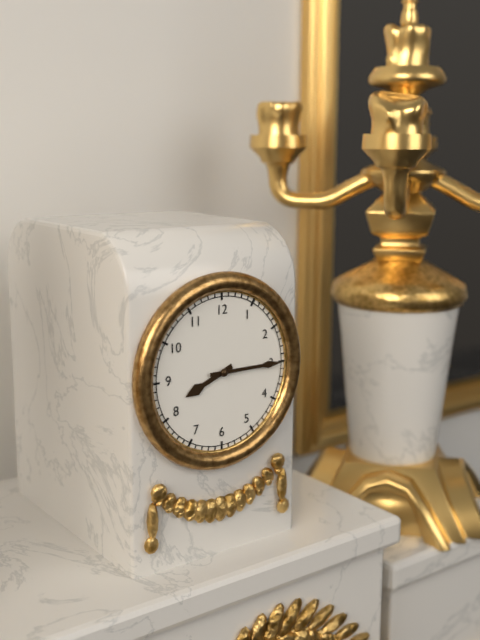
8,15
